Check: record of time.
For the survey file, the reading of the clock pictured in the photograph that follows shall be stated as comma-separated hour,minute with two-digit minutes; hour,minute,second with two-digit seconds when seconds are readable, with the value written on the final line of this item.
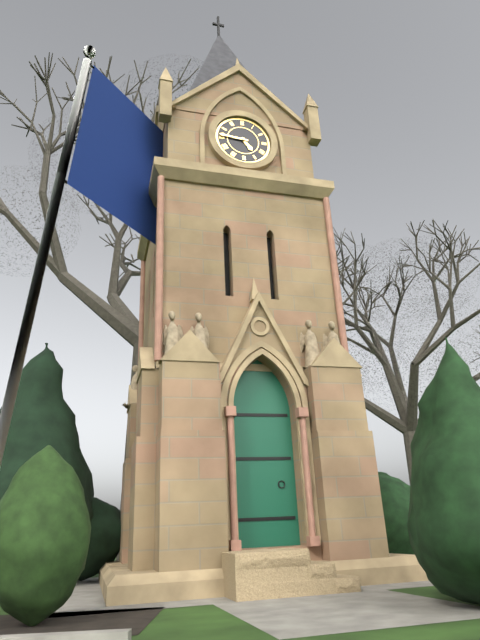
4,46
